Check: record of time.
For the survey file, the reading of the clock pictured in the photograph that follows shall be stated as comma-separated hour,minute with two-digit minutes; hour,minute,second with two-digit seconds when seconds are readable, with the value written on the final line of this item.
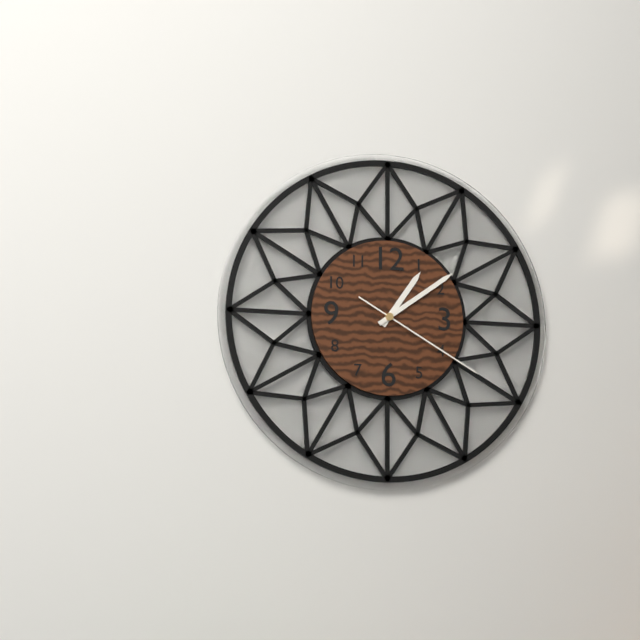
1,09,20
